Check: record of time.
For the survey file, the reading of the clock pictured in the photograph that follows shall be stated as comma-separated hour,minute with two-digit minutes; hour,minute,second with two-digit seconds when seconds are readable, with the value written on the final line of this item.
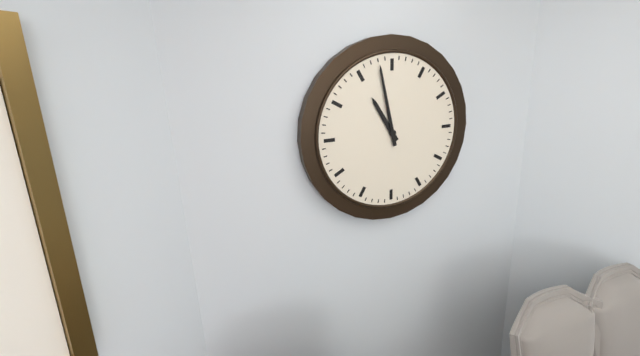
10,58
